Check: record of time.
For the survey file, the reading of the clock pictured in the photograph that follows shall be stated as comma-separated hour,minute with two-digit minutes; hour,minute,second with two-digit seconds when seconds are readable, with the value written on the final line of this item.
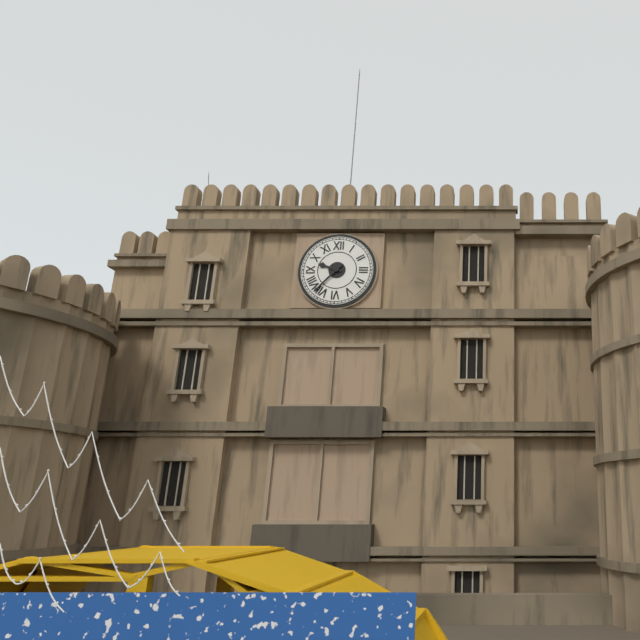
9,37
